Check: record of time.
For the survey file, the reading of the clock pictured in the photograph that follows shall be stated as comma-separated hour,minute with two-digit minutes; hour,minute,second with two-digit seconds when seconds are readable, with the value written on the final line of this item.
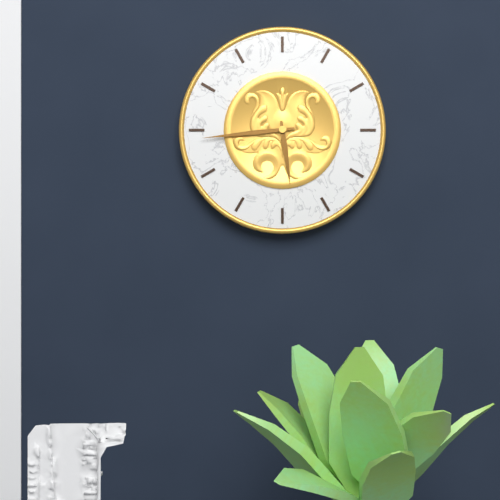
5,44
